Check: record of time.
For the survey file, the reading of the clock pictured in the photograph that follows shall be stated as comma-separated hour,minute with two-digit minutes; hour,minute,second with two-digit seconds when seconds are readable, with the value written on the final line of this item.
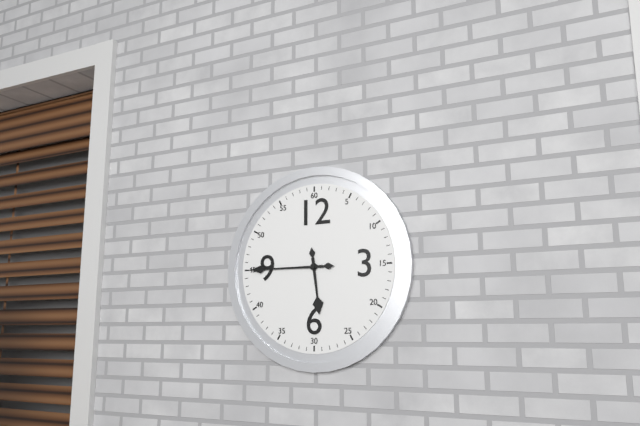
5,45
